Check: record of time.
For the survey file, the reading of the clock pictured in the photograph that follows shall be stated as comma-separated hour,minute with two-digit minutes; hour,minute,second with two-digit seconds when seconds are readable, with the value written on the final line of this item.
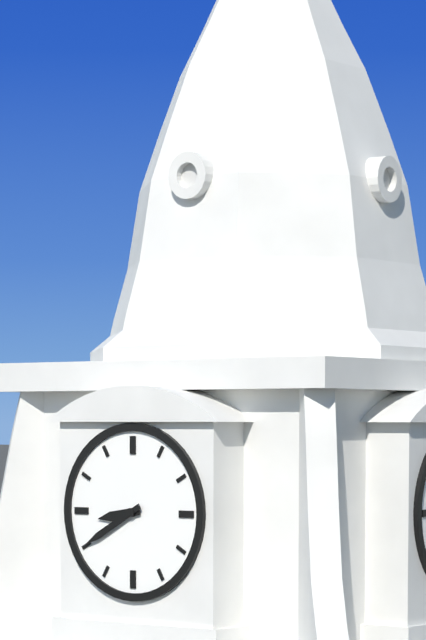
8,40
